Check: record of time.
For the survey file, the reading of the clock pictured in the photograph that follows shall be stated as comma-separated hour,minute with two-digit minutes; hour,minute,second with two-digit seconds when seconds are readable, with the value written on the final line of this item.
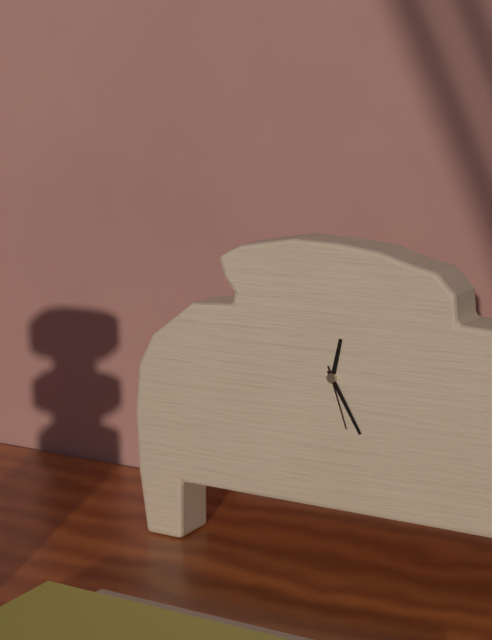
12,25,27
